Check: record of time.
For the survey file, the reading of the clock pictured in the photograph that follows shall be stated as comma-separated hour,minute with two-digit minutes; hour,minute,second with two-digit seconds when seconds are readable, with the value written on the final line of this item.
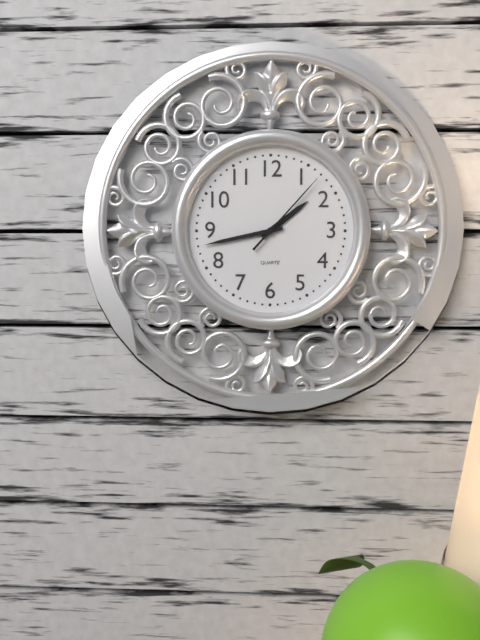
1,43,07
